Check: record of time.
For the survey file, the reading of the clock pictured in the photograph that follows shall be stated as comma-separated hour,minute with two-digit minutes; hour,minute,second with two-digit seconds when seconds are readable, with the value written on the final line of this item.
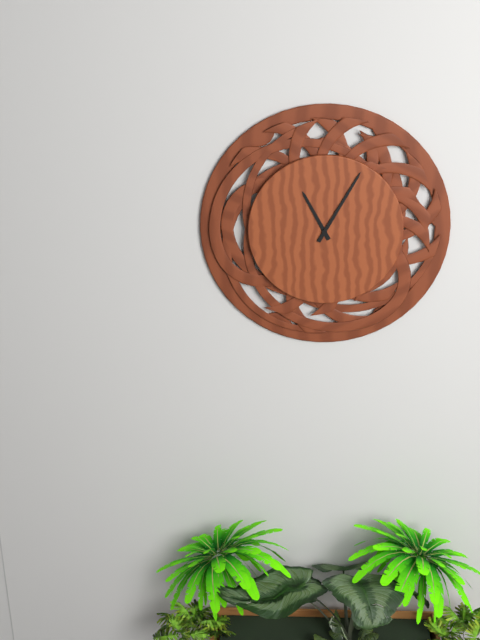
11,05
